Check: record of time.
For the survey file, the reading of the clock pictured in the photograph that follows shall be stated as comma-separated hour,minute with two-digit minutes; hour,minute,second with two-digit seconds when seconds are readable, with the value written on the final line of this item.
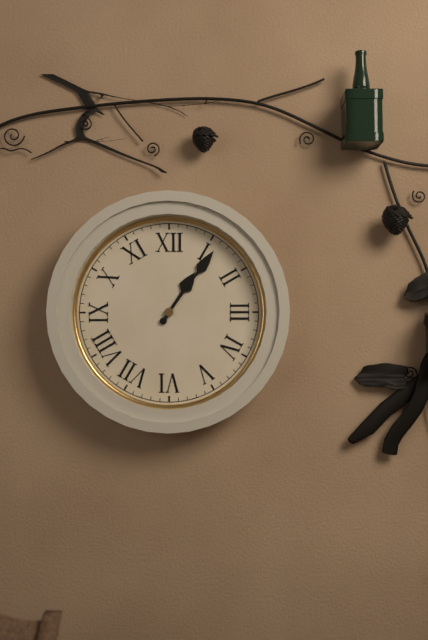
1,06
